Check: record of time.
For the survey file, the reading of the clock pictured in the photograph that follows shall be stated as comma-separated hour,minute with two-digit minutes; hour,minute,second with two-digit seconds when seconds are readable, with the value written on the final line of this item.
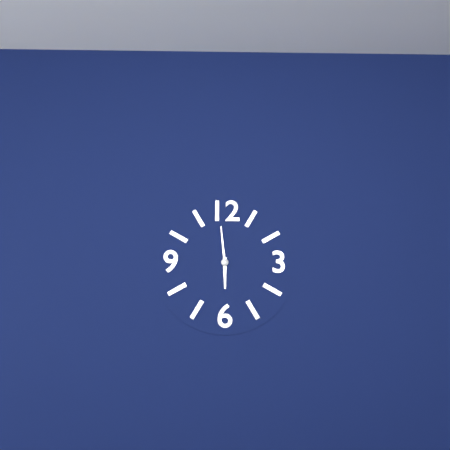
5,59
